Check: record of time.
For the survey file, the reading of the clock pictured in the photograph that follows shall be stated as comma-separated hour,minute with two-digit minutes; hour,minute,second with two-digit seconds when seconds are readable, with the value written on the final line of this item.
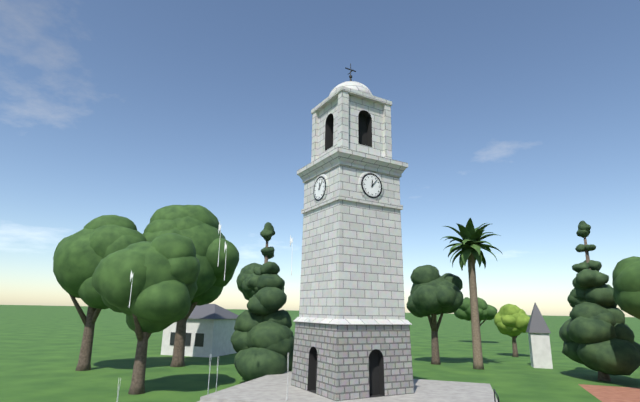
12,07
